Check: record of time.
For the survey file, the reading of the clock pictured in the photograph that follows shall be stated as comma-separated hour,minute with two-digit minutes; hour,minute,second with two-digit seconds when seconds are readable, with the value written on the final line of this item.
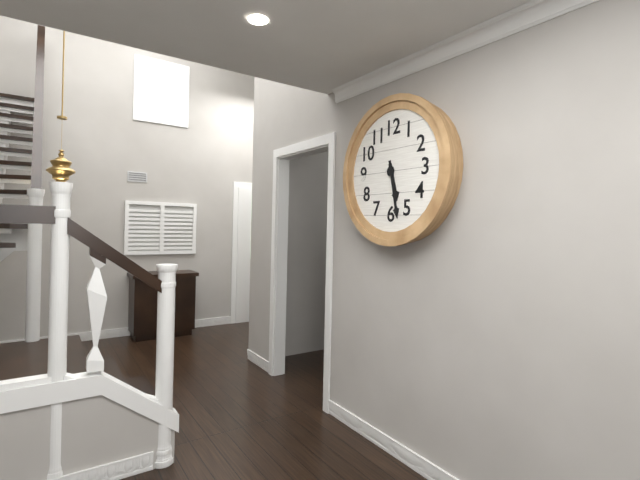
5,28
